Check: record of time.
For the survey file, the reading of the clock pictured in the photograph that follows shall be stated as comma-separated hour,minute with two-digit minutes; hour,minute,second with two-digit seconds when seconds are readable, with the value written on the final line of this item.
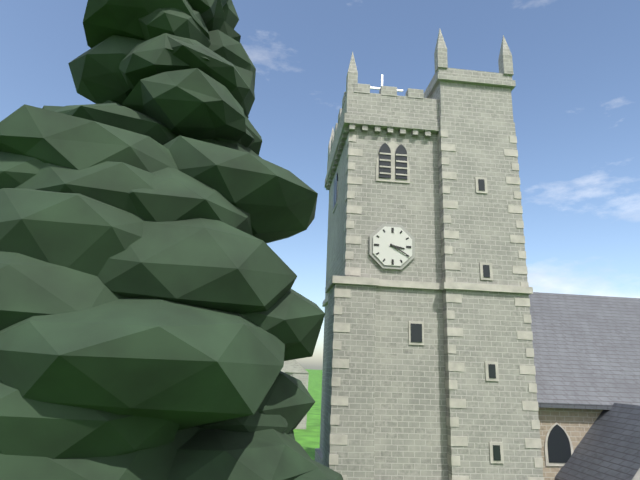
3,20
